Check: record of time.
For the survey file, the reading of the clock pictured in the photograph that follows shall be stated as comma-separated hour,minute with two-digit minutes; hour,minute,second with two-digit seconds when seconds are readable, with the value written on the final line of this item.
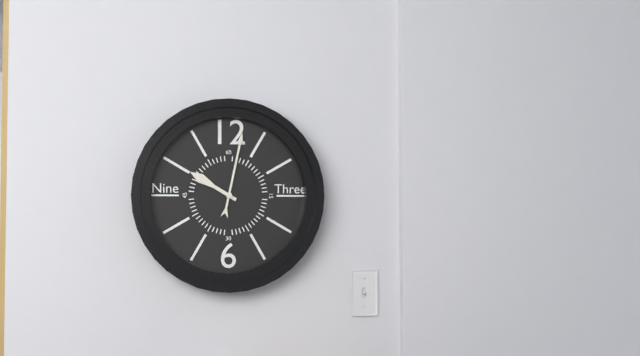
10,02
